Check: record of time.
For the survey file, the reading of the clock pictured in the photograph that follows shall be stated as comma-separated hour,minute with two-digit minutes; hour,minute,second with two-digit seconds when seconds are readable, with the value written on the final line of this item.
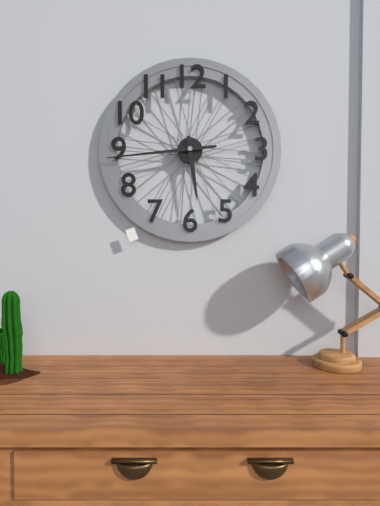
5,44
